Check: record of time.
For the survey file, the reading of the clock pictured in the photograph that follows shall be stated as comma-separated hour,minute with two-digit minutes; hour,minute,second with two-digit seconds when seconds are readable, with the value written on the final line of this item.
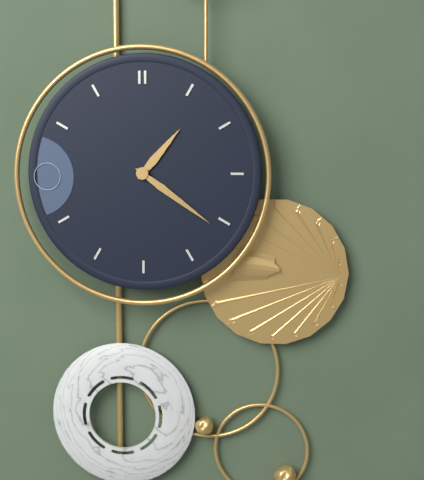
1,21
